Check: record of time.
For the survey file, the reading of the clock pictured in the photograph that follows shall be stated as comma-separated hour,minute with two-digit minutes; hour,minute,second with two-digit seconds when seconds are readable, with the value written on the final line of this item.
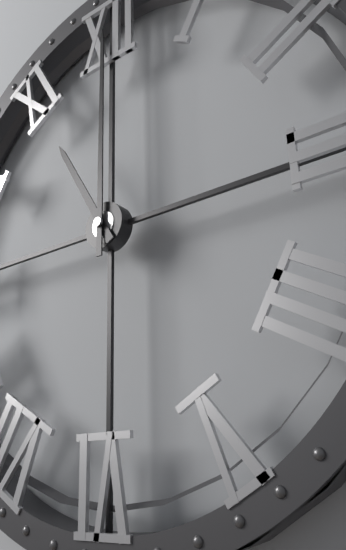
11,00
